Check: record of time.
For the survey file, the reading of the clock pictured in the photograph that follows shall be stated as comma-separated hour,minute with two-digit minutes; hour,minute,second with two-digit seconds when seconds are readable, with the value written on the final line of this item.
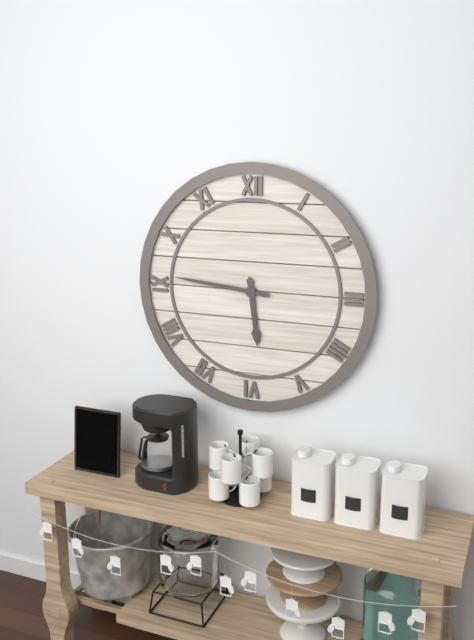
5,46
